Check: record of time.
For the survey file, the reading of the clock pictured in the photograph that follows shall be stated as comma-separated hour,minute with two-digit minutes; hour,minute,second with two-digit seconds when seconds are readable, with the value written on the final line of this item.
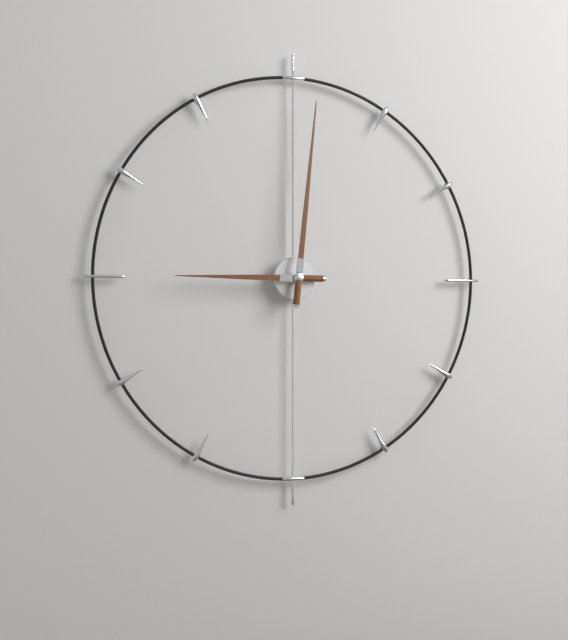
9,01
